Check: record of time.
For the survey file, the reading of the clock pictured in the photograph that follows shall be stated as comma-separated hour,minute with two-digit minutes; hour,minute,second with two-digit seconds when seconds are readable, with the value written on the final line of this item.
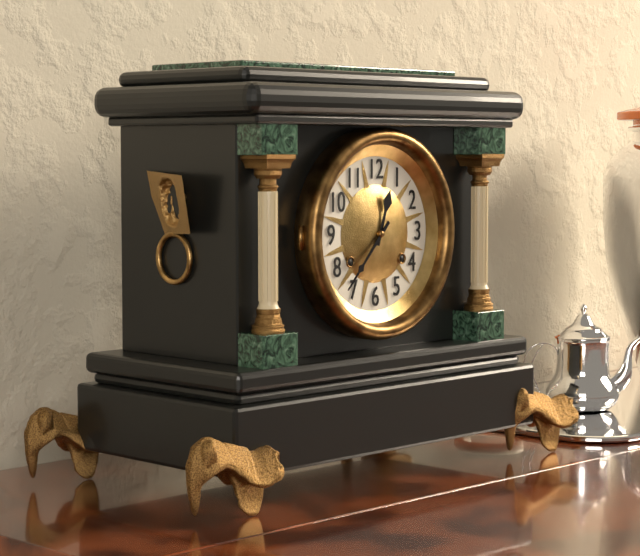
12,37
